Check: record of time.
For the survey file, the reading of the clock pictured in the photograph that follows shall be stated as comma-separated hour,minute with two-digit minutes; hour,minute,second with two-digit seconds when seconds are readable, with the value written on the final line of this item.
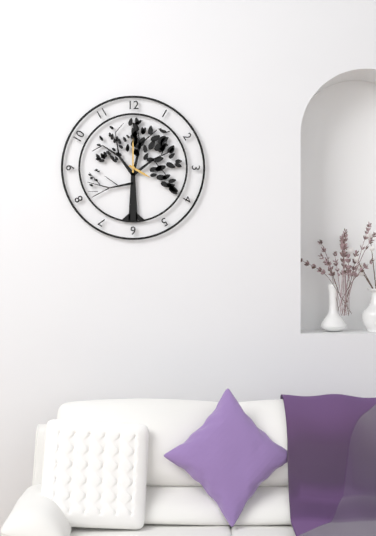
4,00
